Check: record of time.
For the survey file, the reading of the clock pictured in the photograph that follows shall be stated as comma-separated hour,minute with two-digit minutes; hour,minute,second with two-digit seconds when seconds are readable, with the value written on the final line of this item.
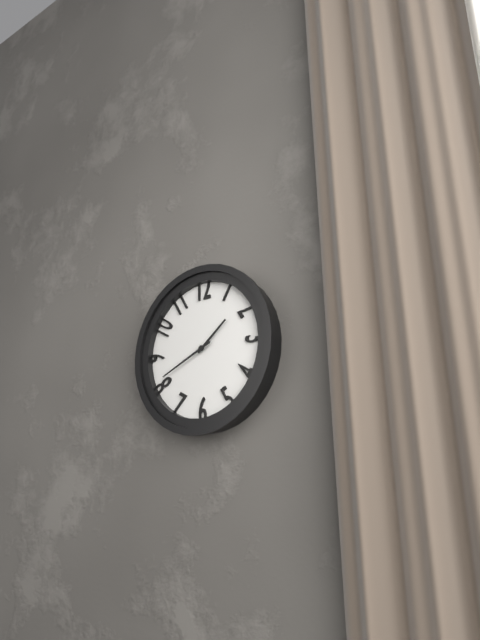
1,41
